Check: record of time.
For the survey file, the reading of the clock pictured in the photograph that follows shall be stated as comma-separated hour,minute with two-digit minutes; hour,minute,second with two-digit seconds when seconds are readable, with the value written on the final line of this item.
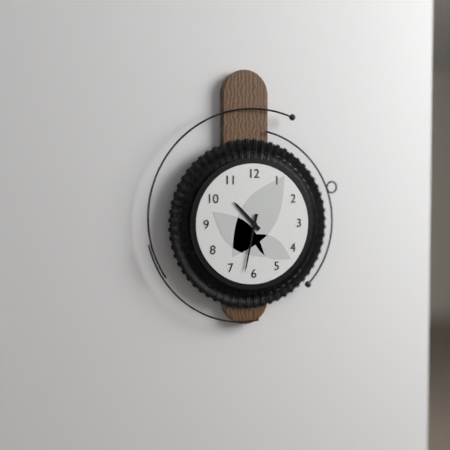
10,32
